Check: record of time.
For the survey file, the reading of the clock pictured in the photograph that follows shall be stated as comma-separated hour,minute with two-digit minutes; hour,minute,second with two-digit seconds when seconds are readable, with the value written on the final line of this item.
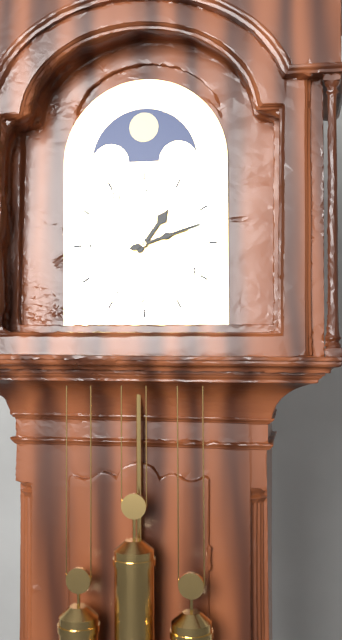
1,12
